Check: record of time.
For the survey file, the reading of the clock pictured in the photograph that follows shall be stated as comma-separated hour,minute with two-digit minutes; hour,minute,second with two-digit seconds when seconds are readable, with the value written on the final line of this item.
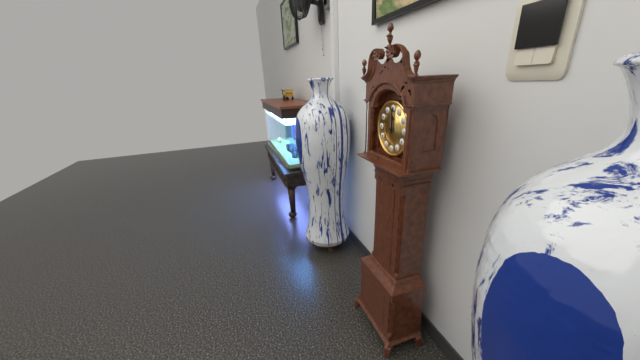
12,00
